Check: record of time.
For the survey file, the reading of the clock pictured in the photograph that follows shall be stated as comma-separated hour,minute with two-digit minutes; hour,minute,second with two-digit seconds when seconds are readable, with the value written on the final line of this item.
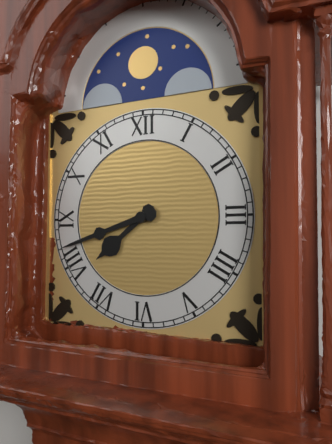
7,42
